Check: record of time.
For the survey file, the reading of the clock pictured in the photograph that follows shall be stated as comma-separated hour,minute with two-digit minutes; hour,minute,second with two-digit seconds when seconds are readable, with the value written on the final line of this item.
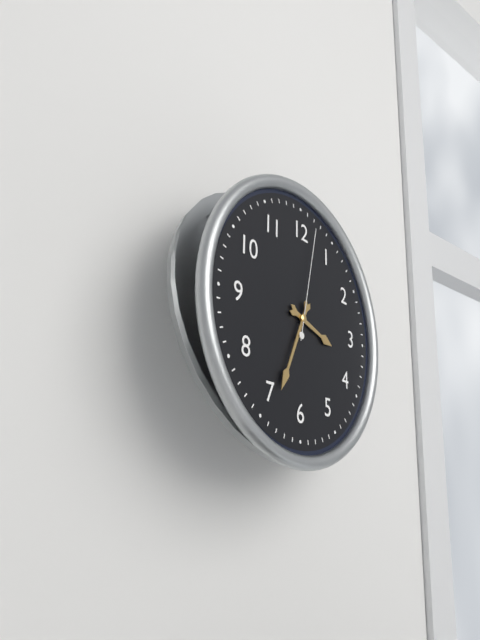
3,34,02
